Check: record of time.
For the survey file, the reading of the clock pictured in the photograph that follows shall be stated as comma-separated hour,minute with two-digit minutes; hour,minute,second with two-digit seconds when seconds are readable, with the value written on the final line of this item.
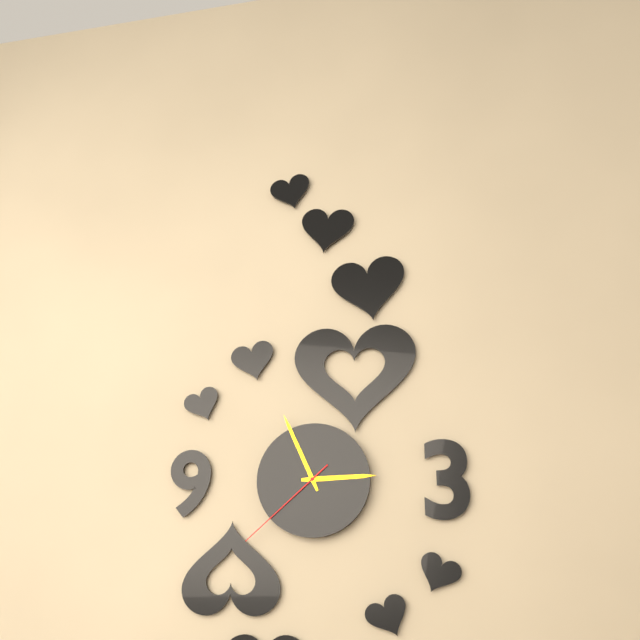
2,56,38
